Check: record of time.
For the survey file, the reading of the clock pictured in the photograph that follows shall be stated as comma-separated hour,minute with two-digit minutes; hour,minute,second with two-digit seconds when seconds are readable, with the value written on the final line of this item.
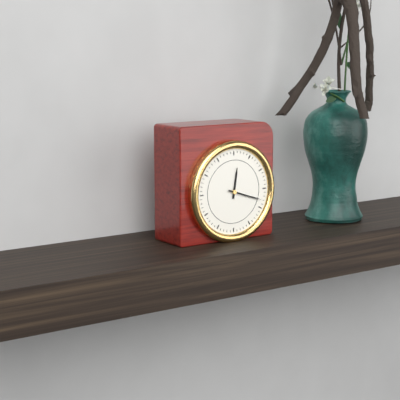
12,18
